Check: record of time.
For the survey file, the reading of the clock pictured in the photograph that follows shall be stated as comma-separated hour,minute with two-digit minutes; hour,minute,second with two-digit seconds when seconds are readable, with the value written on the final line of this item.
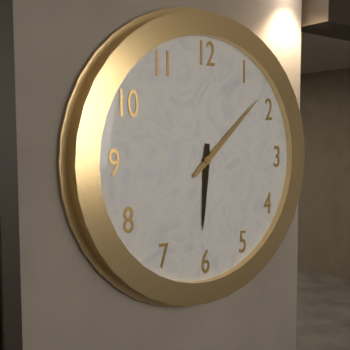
6,08
